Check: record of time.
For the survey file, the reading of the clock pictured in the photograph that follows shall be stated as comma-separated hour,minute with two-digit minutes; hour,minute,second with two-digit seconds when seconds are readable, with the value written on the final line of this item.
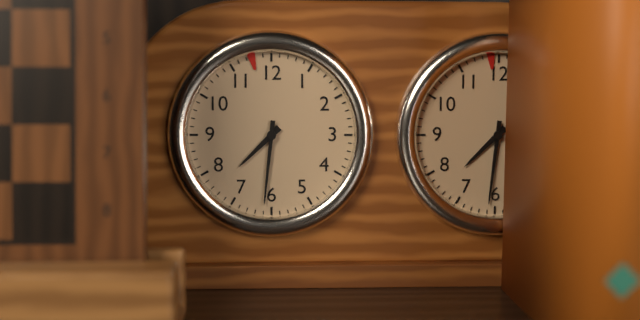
7,31
